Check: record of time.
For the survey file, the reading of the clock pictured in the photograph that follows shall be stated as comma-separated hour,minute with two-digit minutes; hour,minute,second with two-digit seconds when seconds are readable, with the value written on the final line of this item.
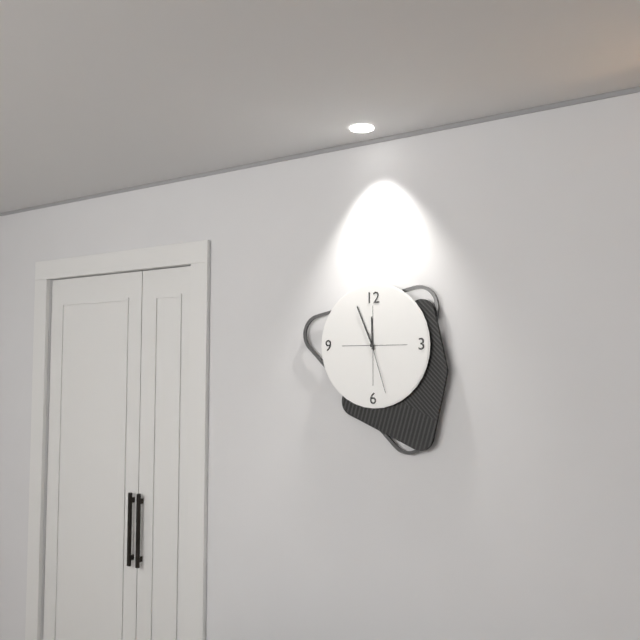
11,56,27
